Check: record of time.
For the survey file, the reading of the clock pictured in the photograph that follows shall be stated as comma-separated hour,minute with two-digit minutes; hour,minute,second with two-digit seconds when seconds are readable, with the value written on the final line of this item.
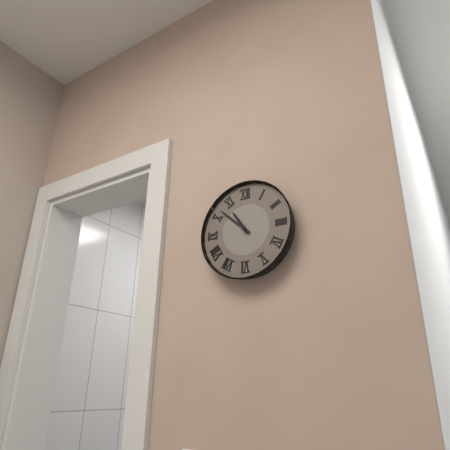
10,52
